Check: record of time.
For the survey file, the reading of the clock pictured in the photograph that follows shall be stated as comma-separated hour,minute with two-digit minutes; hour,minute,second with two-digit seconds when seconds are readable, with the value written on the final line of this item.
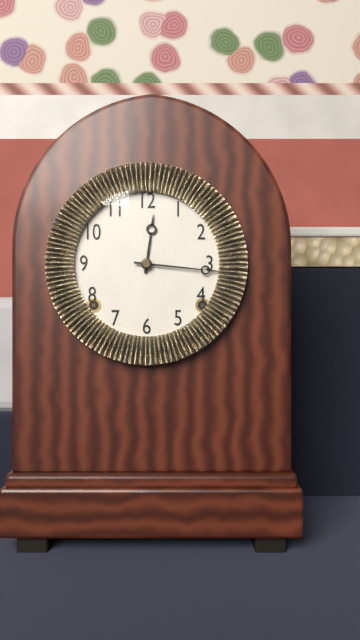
12,16
